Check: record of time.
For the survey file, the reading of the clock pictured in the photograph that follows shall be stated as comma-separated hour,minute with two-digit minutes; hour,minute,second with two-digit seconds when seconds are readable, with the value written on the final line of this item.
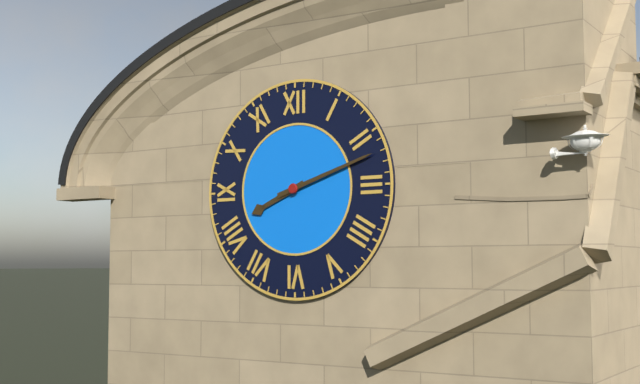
8,12
